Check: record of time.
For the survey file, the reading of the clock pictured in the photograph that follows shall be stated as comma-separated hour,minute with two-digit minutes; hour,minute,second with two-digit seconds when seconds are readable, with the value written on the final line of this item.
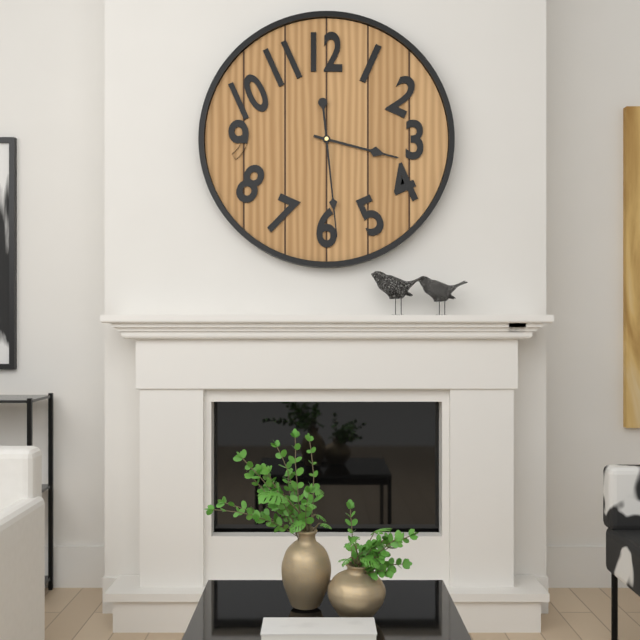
3,29
